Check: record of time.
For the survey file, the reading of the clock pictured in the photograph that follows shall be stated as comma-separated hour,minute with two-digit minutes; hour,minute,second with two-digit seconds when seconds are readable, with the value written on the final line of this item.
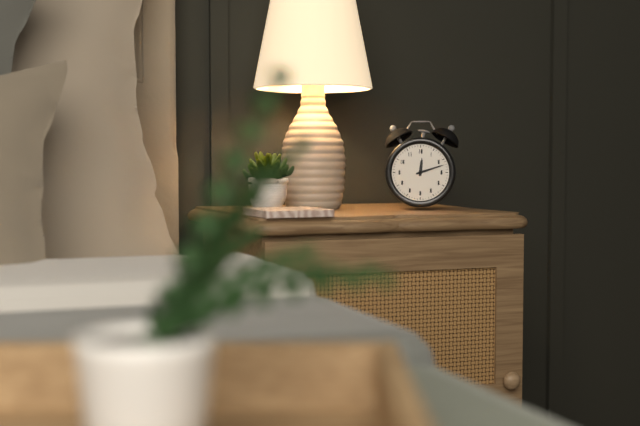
12,12
